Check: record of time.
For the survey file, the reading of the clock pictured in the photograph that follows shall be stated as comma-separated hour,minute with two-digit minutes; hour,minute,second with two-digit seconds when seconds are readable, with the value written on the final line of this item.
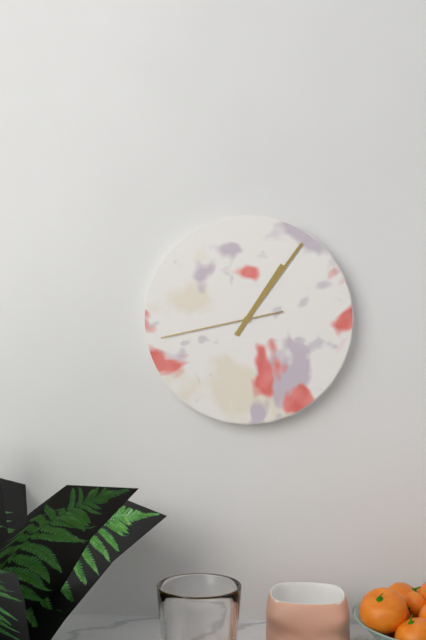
1,06,43
